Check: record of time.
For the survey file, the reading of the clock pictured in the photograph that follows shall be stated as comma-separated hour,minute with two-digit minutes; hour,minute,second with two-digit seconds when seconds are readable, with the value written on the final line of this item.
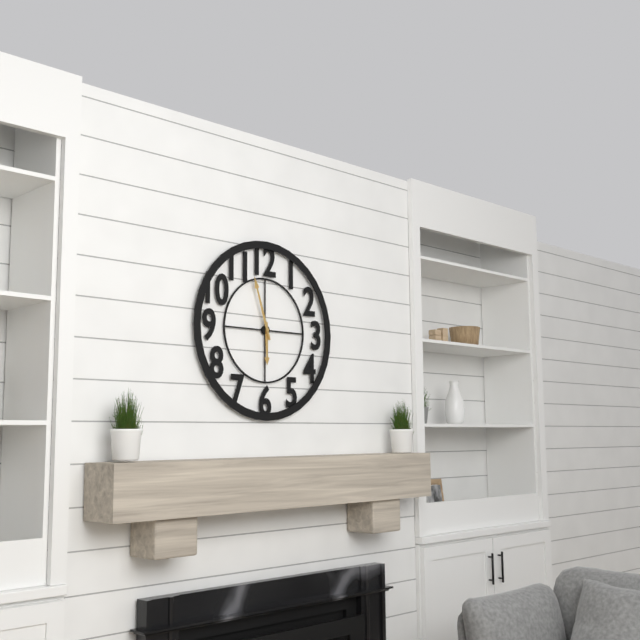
5,57
